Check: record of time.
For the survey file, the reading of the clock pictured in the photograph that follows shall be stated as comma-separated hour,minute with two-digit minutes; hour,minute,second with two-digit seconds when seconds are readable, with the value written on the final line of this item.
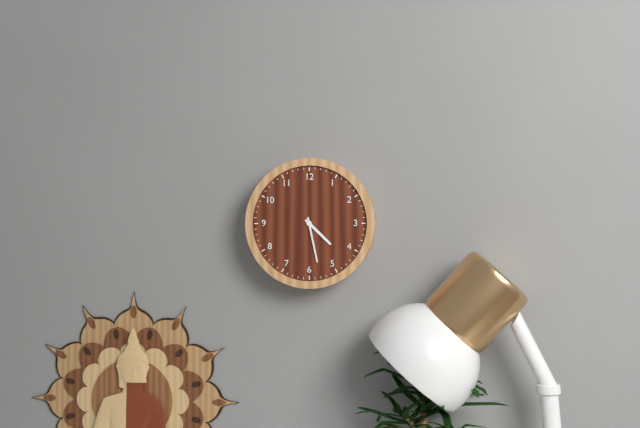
4,28
